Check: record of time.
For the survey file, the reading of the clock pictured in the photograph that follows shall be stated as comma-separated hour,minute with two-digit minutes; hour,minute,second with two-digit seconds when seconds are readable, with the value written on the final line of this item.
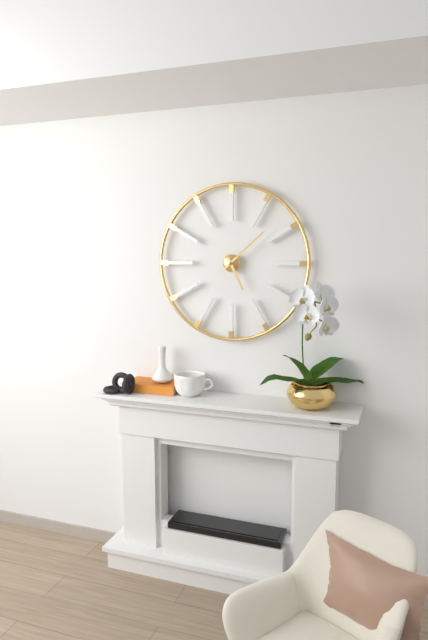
5,08
